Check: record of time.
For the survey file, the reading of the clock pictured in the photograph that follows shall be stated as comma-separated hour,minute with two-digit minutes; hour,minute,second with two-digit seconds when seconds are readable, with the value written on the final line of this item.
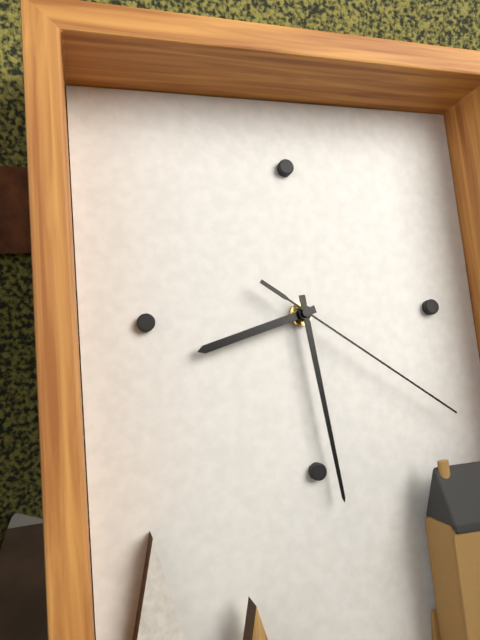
8,29,21
